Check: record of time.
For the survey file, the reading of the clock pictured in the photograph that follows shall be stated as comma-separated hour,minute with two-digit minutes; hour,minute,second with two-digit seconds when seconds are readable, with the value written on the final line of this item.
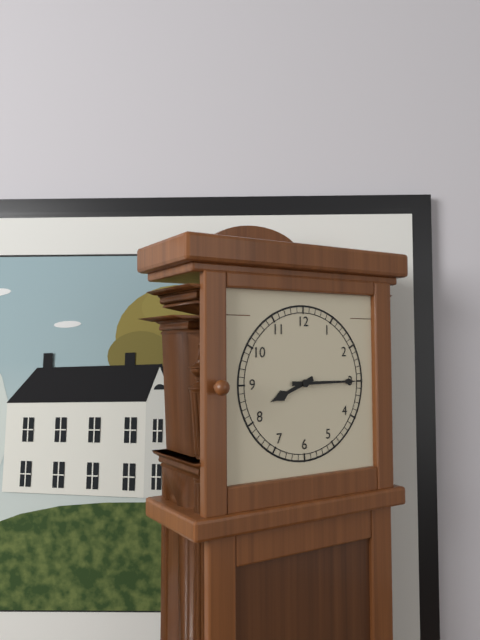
8,15
